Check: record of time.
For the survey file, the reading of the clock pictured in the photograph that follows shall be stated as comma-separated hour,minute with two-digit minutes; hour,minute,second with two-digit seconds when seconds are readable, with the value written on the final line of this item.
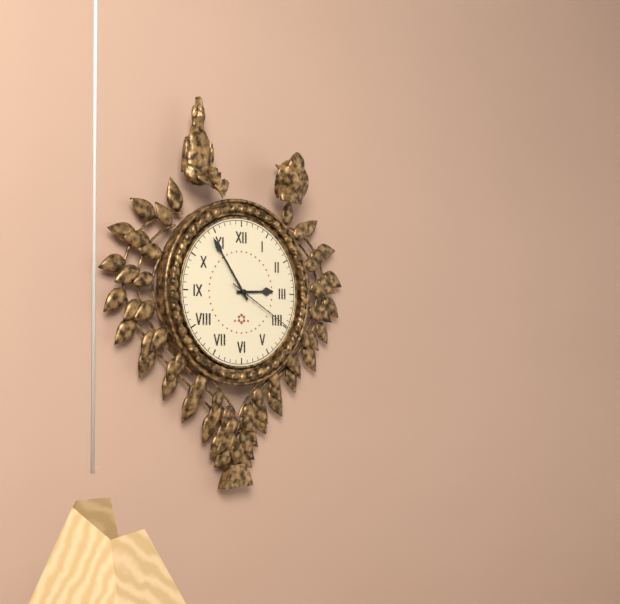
2,54,20
